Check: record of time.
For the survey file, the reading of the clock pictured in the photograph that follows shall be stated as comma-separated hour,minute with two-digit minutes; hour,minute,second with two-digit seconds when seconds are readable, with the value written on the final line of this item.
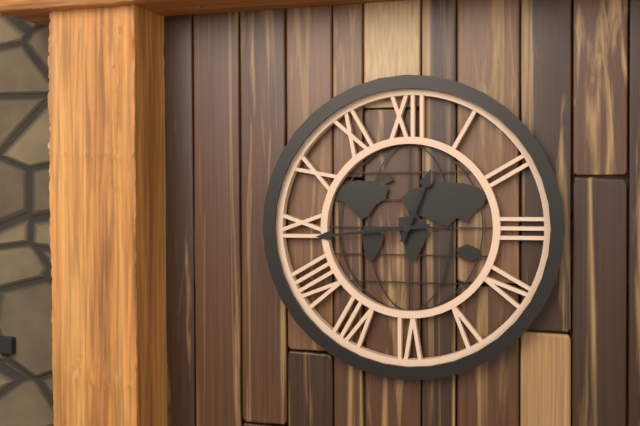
12,44
